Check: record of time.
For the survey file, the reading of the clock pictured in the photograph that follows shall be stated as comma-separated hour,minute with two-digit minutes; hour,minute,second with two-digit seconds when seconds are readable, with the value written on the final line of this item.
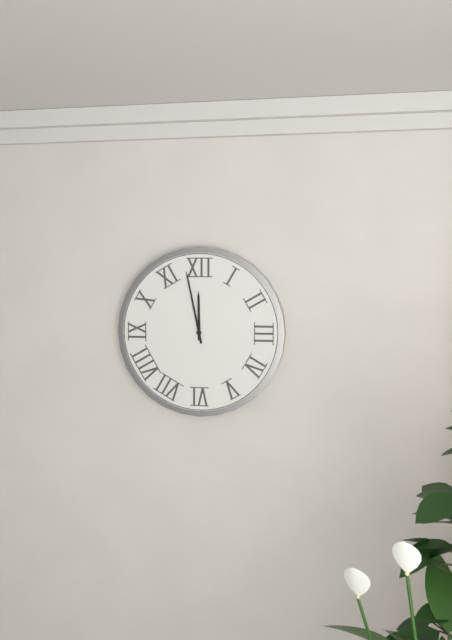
11,58
